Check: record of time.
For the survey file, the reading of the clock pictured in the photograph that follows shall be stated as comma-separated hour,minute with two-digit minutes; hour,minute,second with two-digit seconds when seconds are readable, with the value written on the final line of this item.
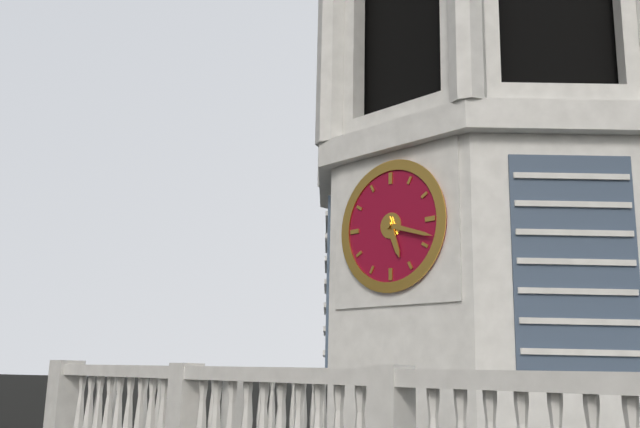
5,18
